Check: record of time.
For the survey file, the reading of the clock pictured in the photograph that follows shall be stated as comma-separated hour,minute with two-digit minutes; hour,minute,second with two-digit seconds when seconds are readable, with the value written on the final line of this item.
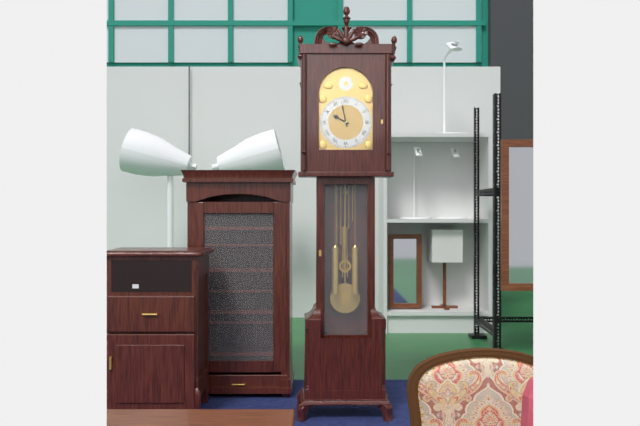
9,58
